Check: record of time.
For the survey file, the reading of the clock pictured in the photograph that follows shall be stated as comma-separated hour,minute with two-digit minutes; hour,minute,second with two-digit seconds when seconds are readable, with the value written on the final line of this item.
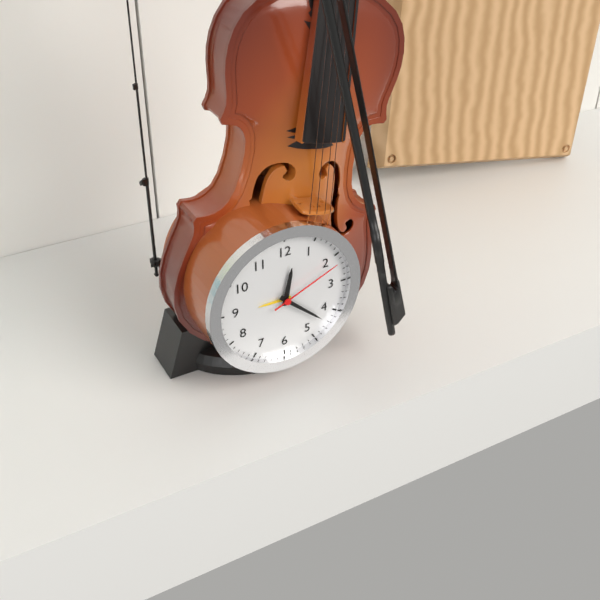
12,22,11
